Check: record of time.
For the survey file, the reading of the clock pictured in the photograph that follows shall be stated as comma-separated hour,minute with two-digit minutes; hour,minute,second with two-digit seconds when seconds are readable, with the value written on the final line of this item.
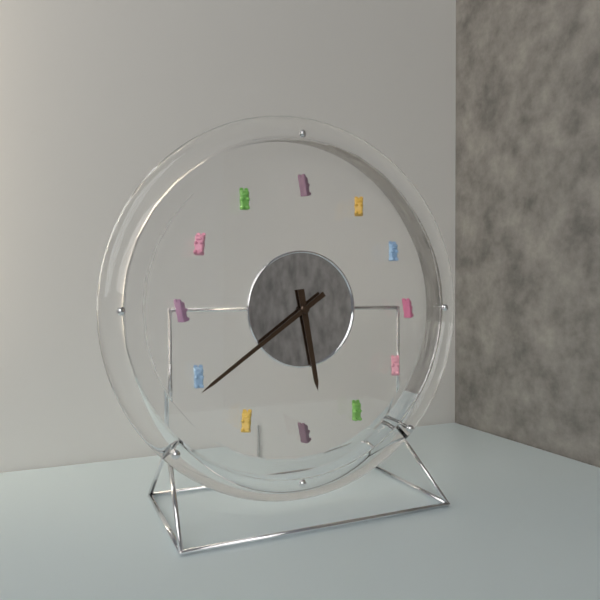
5,39
